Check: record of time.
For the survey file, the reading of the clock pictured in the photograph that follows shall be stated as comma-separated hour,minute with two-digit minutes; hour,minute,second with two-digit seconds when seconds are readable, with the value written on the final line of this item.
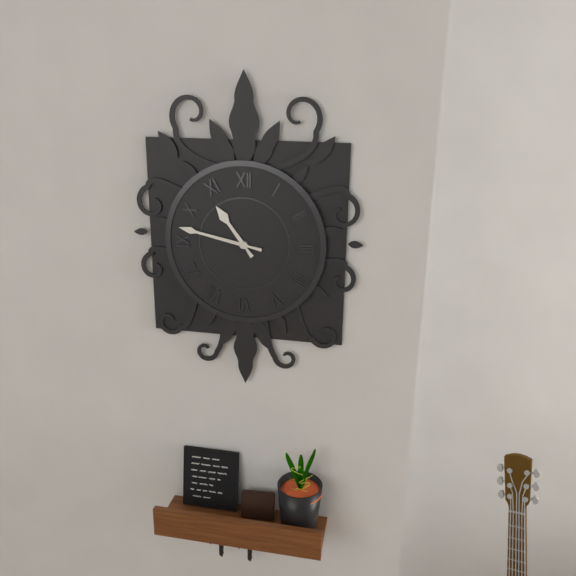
10,47
